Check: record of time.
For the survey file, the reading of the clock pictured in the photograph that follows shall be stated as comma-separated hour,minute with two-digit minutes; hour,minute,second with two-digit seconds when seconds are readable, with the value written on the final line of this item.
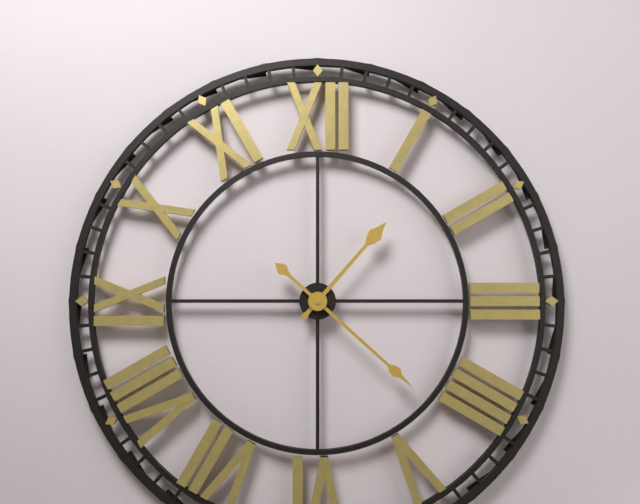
1,22
